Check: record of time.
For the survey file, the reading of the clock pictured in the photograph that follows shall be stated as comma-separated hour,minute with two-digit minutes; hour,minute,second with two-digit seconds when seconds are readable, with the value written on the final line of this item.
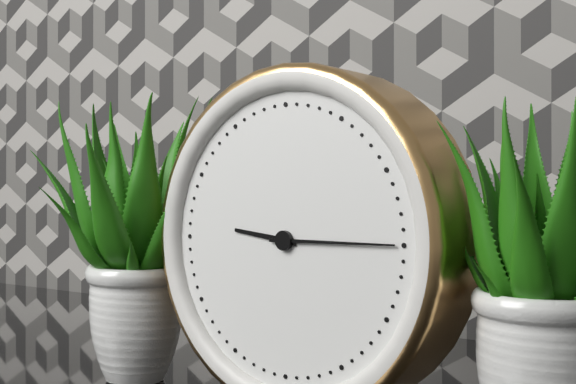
9,15
